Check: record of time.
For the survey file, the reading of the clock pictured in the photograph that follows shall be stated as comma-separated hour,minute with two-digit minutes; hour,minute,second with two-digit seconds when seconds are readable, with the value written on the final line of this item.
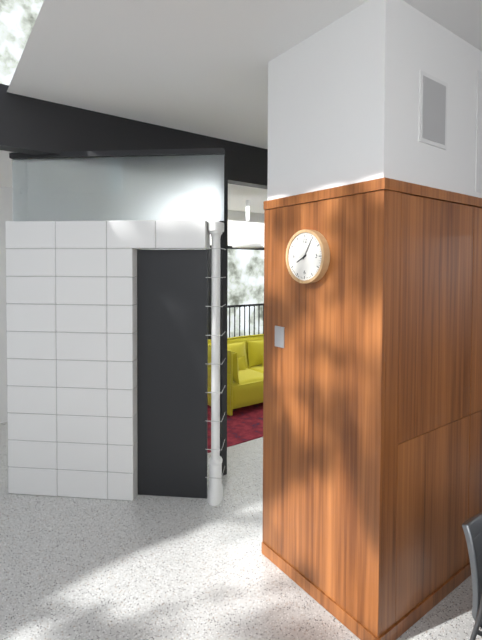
8,05
